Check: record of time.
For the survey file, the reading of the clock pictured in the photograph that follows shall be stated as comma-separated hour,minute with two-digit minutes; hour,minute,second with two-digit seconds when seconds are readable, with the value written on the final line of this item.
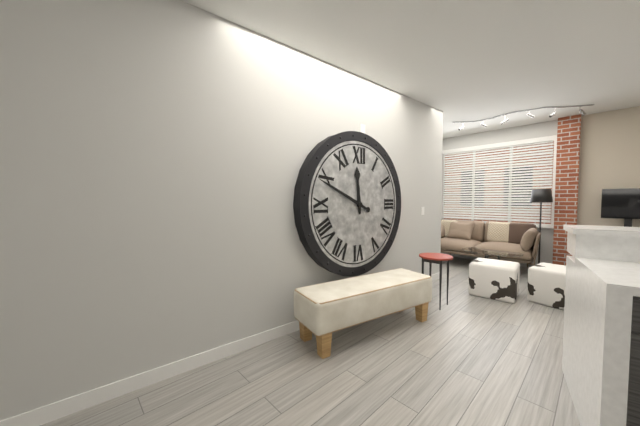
11,49
